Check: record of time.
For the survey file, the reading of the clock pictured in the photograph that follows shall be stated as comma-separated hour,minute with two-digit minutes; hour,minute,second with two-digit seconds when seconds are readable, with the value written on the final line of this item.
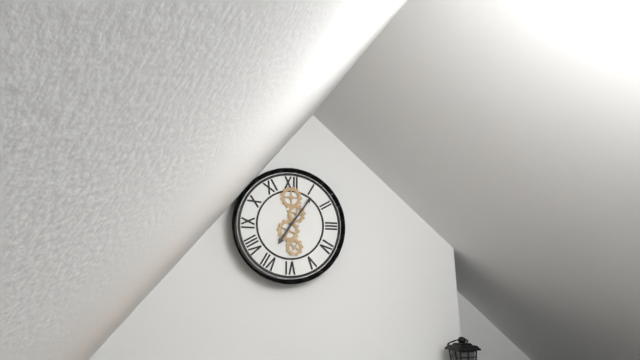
7,06
